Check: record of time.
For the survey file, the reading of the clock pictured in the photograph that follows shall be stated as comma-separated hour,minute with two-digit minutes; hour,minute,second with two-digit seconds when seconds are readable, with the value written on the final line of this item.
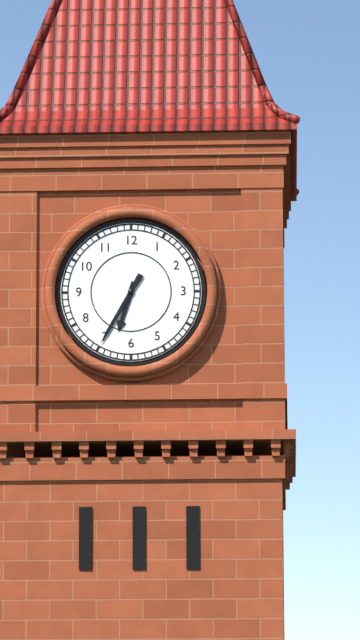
6,35
